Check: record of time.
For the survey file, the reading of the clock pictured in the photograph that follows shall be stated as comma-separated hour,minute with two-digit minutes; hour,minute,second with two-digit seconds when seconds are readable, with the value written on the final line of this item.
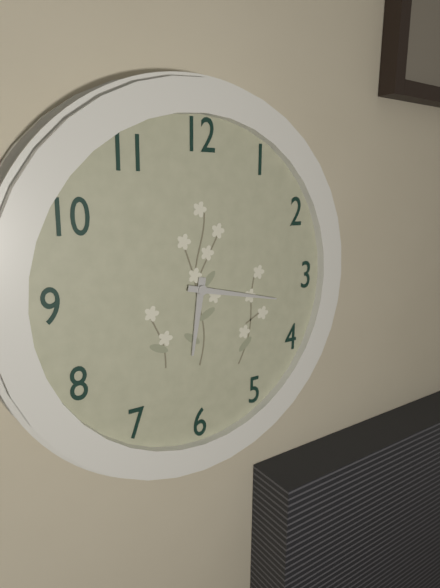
6,17
